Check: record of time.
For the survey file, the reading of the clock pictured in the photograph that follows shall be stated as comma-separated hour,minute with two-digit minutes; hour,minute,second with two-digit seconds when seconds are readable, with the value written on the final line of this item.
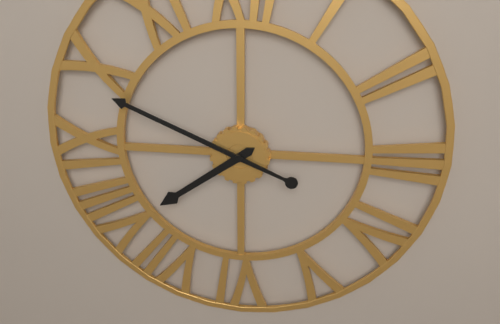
7,49
